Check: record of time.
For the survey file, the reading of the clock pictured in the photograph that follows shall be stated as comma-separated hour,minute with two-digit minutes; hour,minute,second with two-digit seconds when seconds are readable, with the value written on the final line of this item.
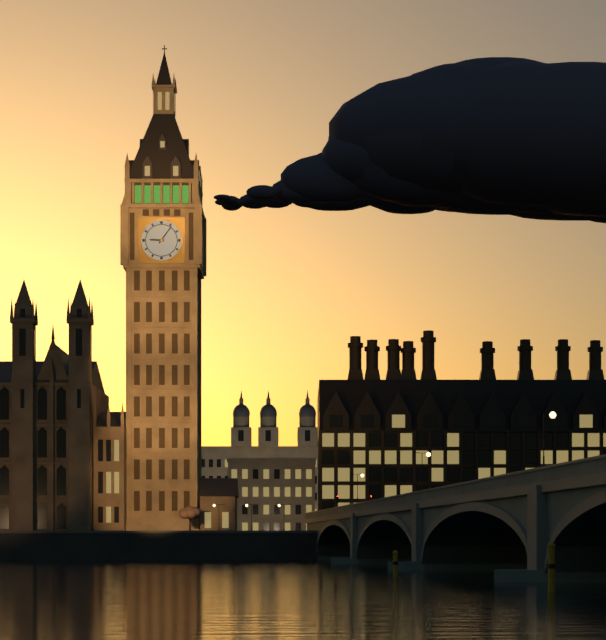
9,06
